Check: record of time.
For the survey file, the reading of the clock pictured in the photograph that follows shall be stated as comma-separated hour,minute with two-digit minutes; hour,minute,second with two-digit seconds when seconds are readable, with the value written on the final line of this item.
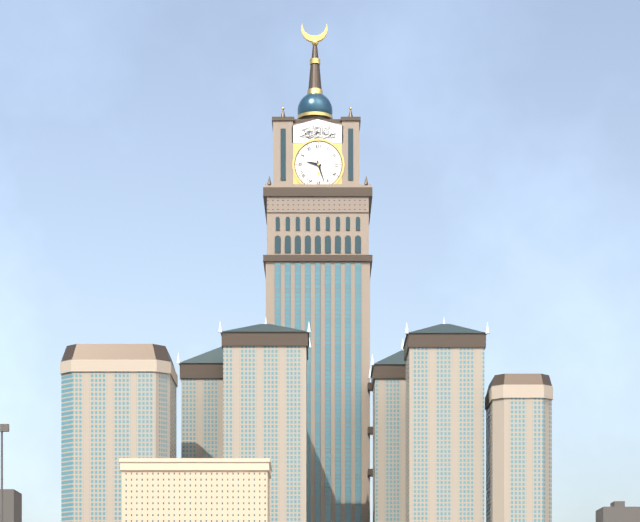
9,27
